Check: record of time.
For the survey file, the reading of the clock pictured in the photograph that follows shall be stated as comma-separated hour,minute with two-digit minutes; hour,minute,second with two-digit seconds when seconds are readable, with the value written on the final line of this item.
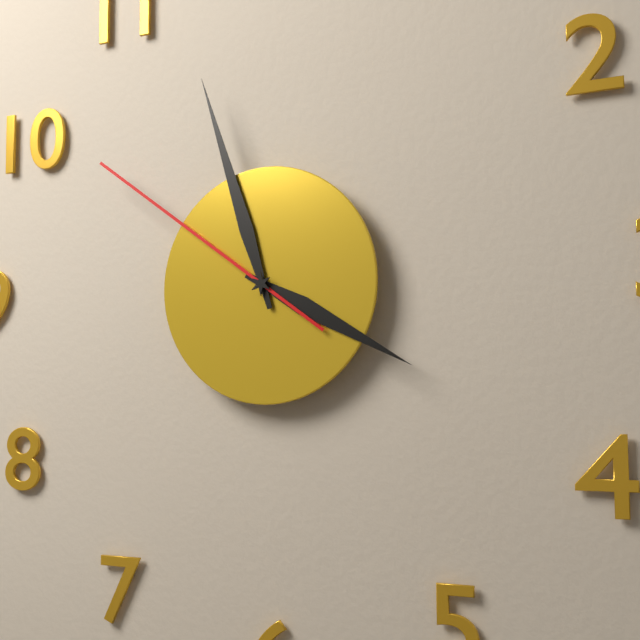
3,57,51
